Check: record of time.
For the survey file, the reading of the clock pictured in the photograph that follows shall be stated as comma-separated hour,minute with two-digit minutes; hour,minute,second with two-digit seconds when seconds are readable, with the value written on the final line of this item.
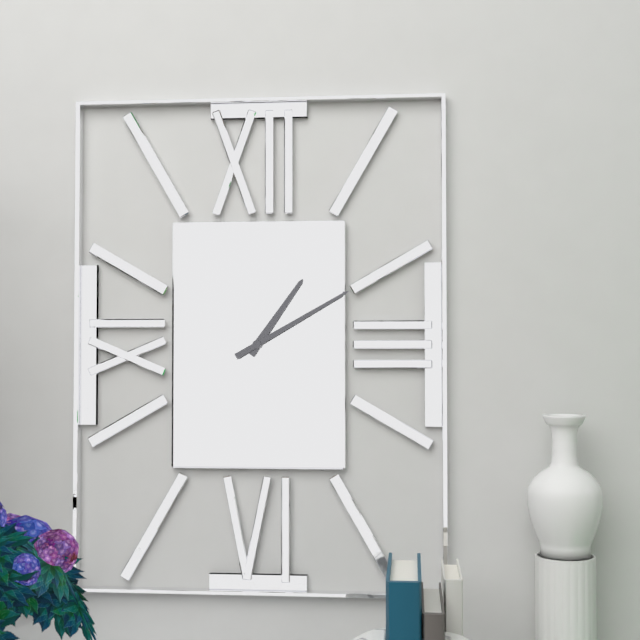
1,10
